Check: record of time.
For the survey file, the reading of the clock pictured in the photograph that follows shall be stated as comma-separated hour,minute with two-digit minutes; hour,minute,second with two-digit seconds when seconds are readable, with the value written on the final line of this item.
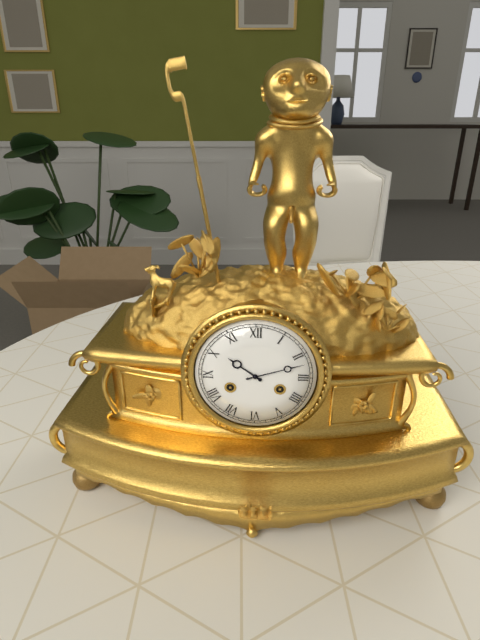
10,12
